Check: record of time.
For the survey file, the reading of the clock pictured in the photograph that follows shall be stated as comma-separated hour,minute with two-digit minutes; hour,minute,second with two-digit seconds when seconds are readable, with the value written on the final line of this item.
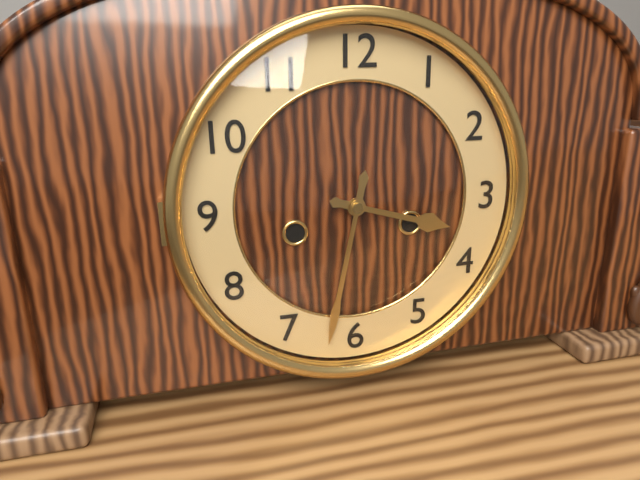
3,32
